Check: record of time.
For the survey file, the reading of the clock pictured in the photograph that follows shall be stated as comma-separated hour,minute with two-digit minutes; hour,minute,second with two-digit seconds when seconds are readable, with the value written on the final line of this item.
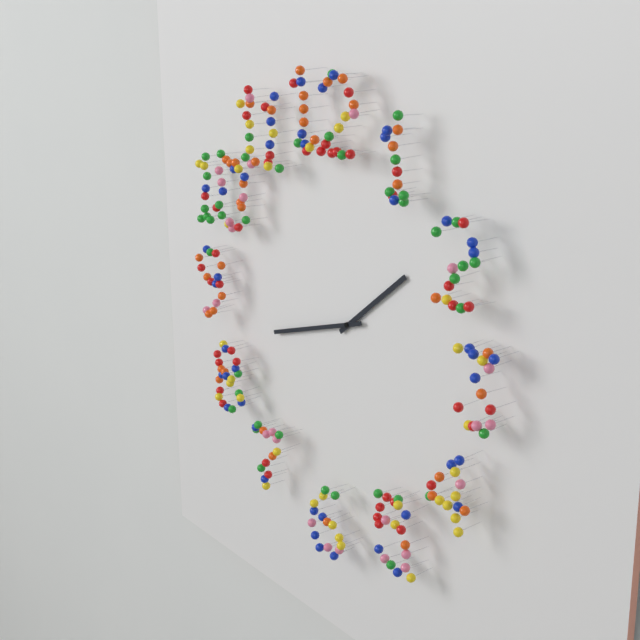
1,42
